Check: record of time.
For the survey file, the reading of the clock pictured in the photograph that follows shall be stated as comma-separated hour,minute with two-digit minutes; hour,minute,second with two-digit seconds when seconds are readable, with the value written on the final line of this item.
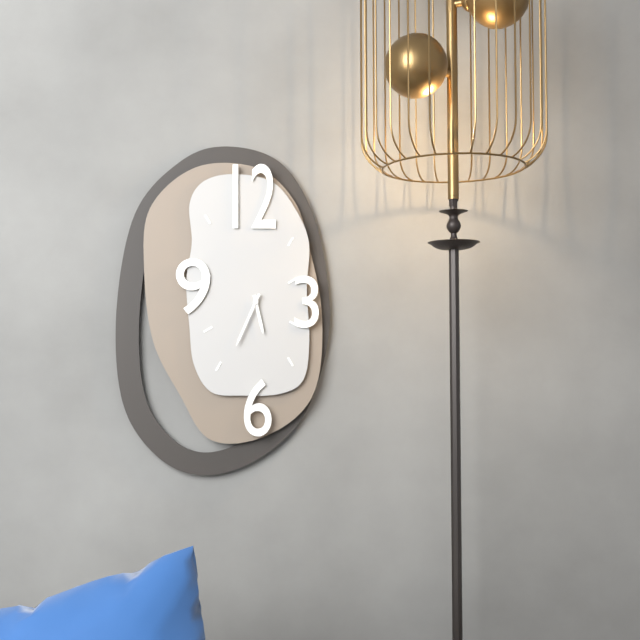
5,34
